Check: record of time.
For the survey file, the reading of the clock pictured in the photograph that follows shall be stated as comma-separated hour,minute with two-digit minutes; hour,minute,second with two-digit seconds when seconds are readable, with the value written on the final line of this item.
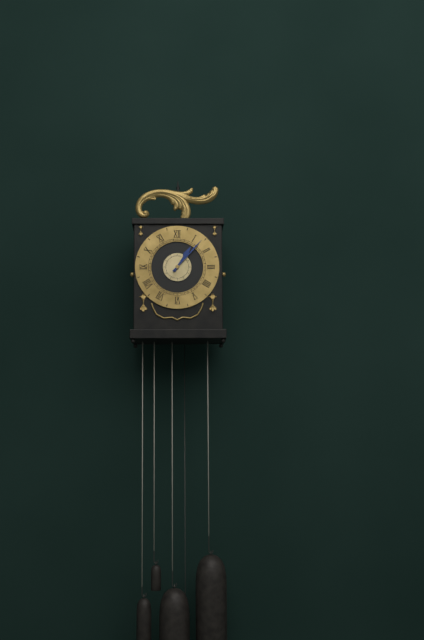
1,07
